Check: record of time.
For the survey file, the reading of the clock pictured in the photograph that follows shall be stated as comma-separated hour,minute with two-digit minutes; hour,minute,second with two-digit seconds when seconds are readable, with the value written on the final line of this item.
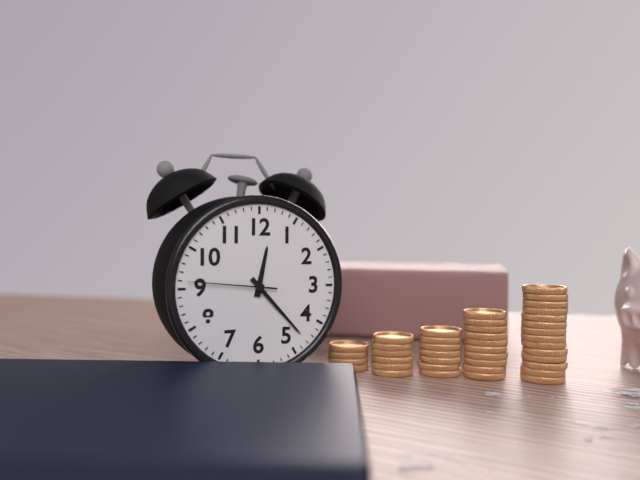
12,23,46
